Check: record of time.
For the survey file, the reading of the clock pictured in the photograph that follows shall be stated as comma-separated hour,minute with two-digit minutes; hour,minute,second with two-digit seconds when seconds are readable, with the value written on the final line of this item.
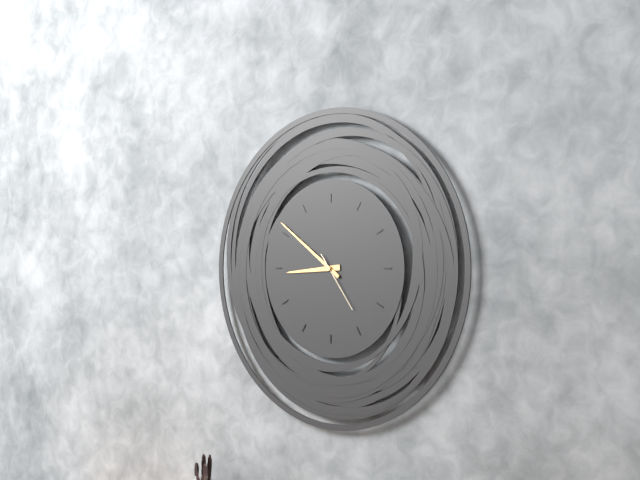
8,51,24
